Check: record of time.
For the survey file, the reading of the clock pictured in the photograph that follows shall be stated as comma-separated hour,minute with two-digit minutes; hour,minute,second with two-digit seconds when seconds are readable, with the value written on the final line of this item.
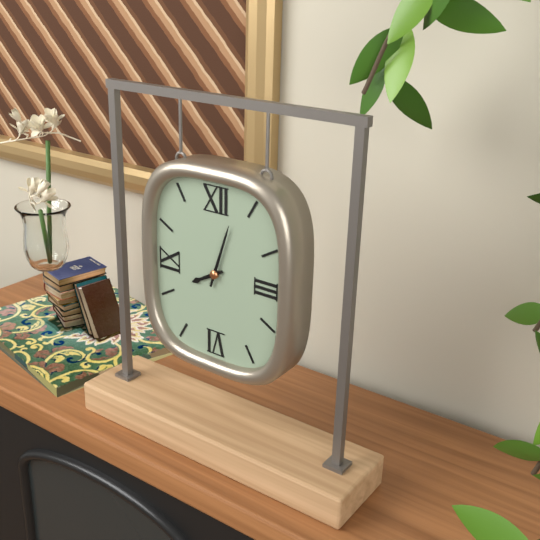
8,03
